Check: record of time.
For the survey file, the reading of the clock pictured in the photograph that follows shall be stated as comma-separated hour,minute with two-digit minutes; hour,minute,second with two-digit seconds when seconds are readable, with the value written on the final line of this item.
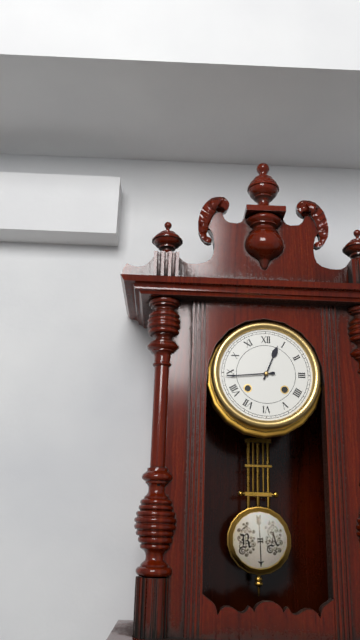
12,44
